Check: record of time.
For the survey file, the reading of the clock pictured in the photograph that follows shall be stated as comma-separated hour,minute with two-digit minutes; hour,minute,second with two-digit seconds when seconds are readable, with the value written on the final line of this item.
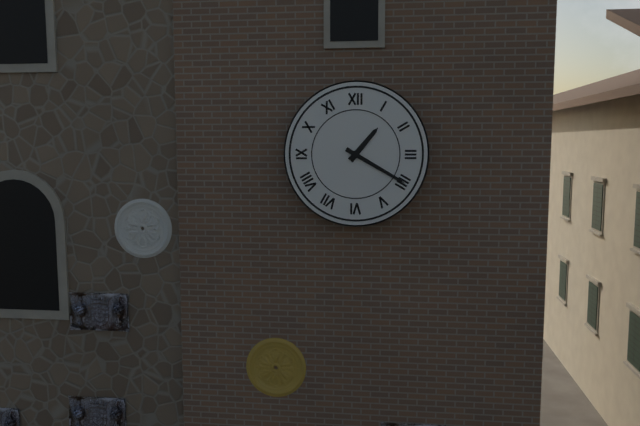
1,20
